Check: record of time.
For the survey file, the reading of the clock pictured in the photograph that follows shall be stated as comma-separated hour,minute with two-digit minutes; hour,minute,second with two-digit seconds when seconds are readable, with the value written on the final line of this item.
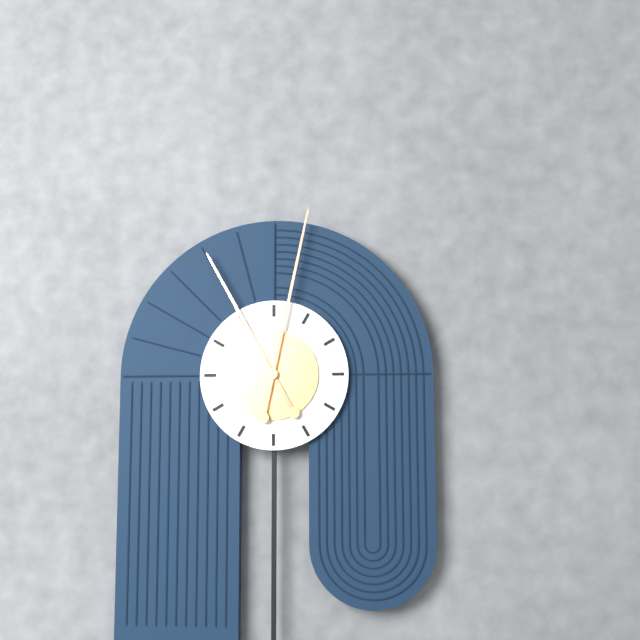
11,02
